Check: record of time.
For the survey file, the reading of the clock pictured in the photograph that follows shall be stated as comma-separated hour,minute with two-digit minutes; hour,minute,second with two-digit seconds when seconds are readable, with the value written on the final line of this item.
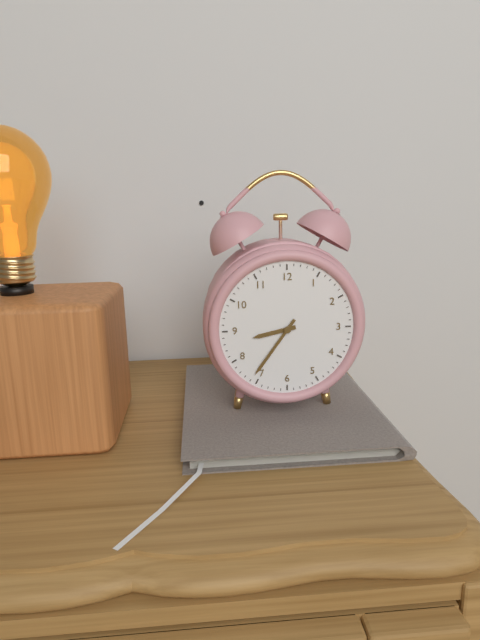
8,36
